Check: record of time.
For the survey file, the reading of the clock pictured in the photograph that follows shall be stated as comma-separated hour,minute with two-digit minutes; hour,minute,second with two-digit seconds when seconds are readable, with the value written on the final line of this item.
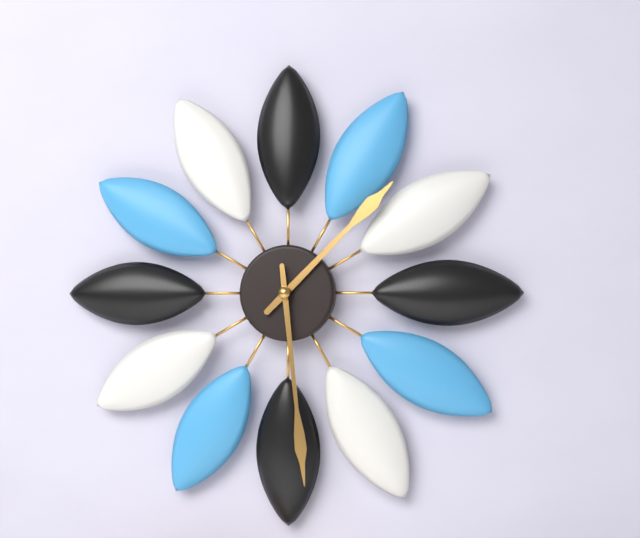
1,29
